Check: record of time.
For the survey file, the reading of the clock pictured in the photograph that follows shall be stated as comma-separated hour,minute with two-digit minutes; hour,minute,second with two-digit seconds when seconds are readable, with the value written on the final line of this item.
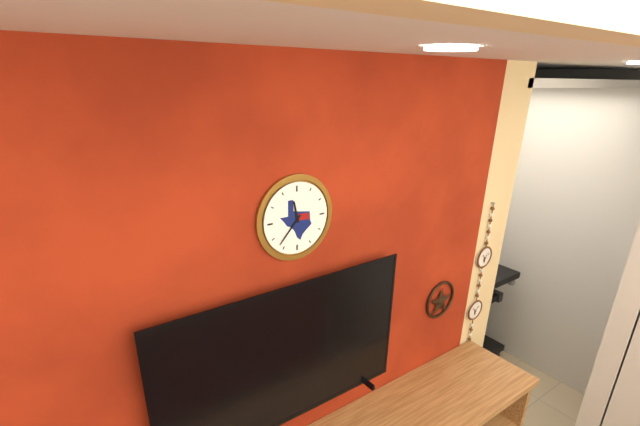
11,37
